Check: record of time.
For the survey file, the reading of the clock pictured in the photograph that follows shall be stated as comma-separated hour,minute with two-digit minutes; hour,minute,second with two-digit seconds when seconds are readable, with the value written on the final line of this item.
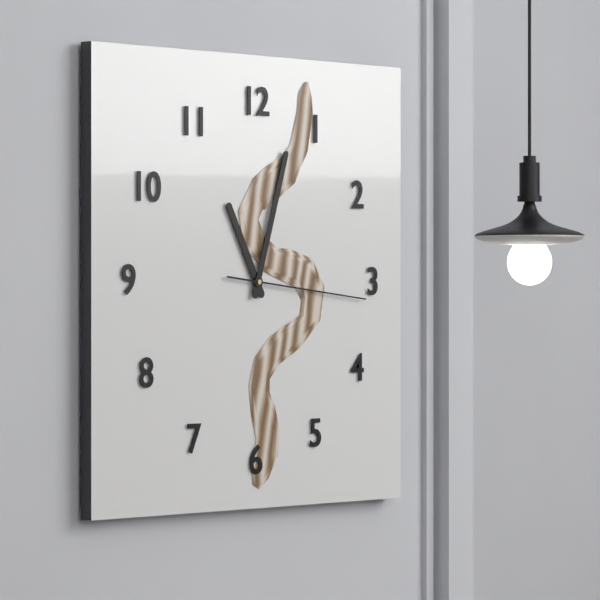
11,03,16
